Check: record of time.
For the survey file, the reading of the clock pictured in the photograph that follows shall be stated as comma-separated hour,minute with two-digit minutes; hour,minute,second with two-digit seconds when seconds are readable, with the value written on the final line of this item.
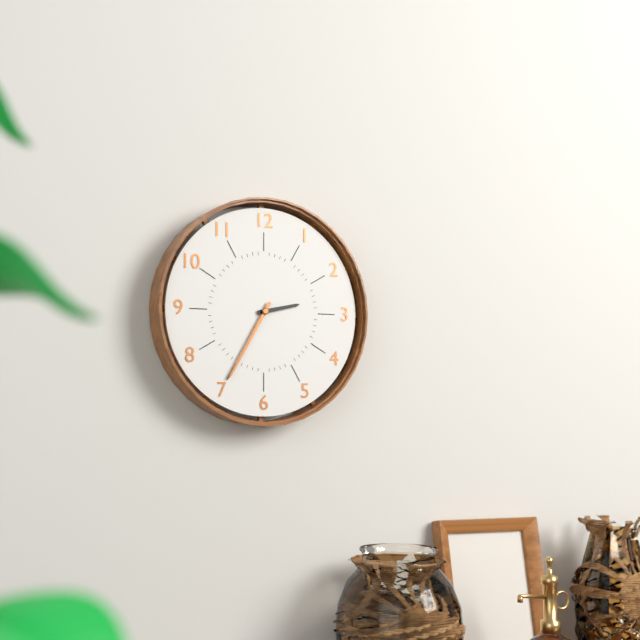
2,35
